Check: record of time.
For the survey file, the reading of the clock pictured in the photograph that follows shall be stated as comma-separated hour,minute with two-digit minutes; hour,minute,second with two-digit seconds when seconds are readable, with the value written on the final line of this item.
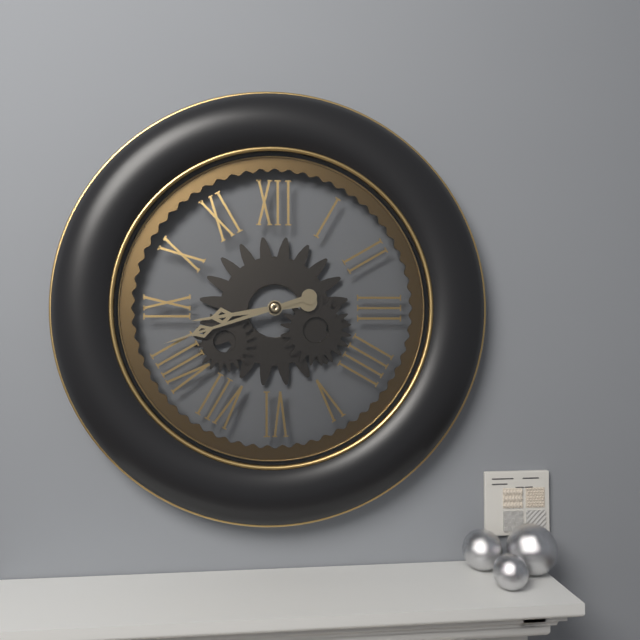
8,42
